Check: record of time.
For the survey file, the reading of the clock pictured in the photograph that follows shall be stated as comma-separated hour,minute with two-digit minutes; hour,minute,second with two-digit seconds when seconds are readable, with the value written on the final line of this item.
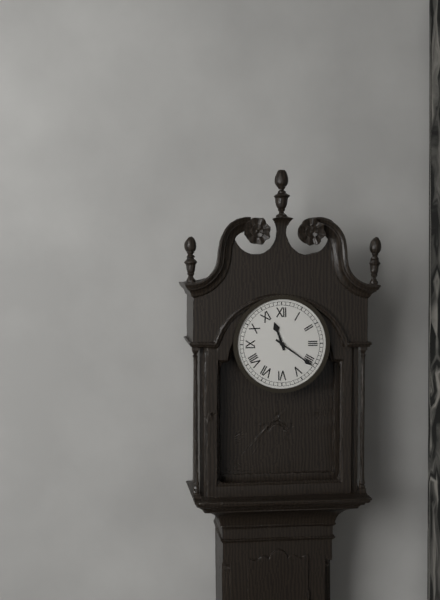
11,21
